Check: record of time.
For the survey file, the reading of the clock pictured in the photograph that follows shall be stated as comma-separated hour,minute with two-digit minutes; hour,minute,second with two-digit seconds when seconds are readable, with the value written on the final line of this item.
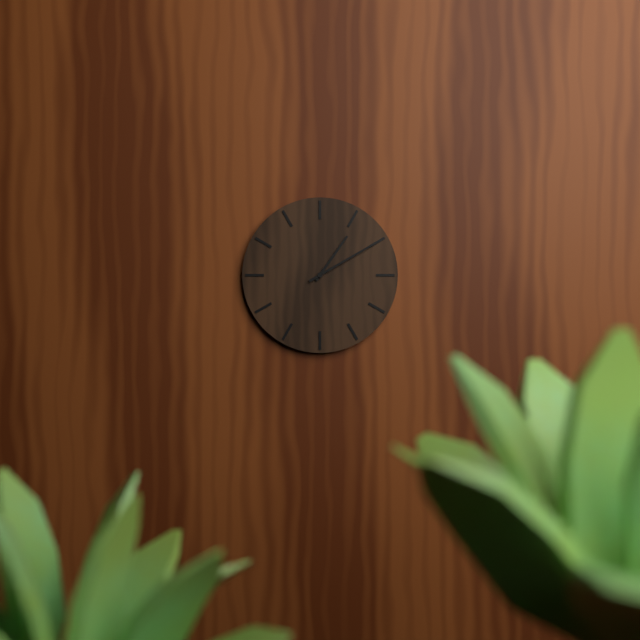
1,10
